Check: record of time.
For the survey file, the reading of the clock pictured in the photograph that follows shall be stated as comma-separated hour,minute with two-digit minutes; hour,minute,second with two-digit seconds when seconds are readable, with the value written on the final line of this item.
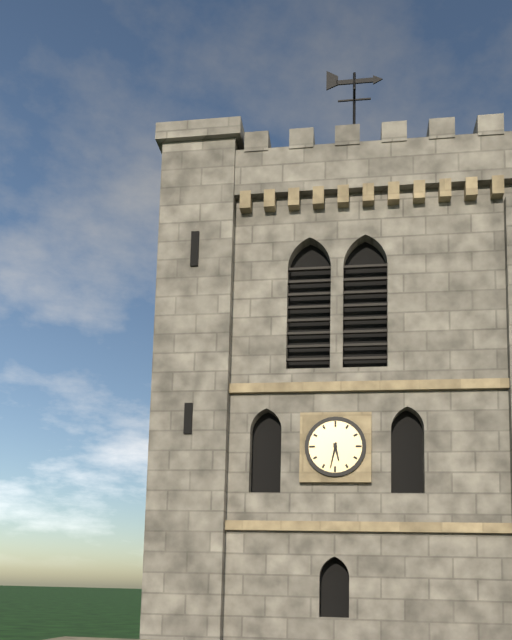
5,32
